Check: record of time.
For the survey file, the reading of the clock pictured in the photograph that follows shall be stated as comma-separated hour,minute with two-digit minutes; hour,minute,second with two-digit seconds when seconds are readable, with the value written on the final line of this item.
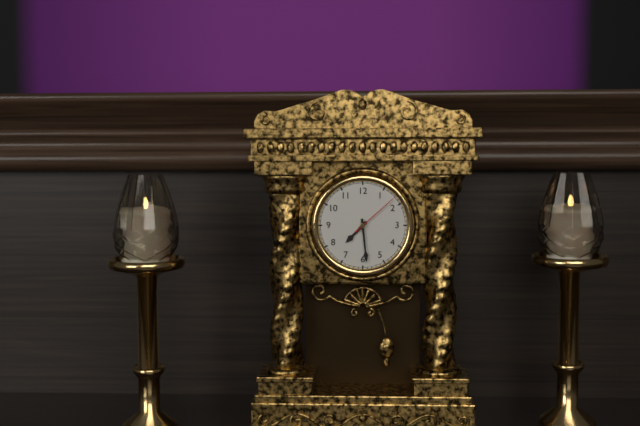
7,29,08
